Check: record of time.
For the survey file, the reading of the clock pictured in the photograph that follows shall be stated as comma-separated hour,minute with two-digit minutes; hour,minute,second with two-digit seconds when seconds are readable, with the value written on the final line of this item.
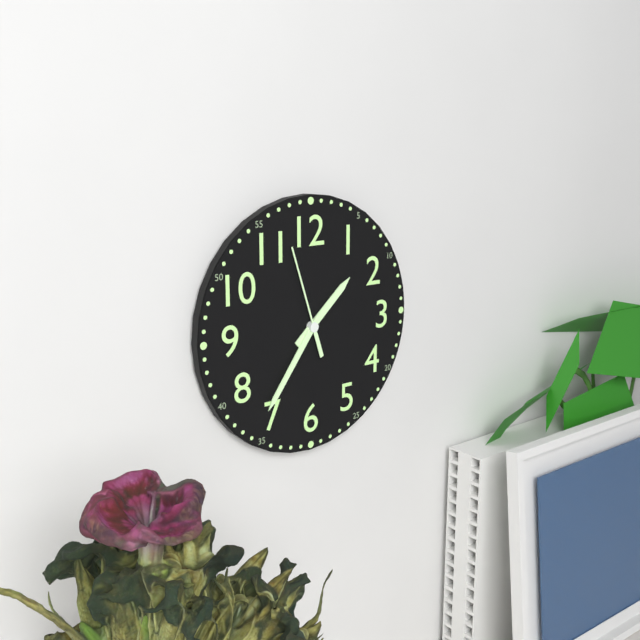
1,36,57
